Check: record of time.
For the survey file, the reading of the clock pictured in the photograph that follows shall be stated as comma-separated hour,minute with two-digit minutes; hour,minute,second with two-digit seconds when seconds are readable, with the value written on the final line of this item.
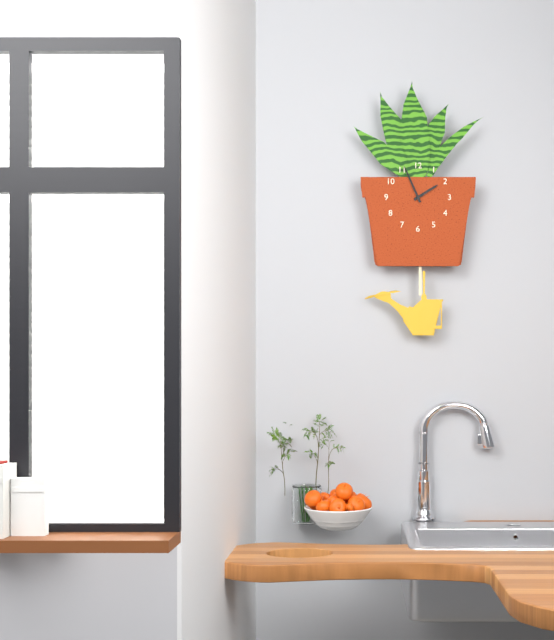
1,56
